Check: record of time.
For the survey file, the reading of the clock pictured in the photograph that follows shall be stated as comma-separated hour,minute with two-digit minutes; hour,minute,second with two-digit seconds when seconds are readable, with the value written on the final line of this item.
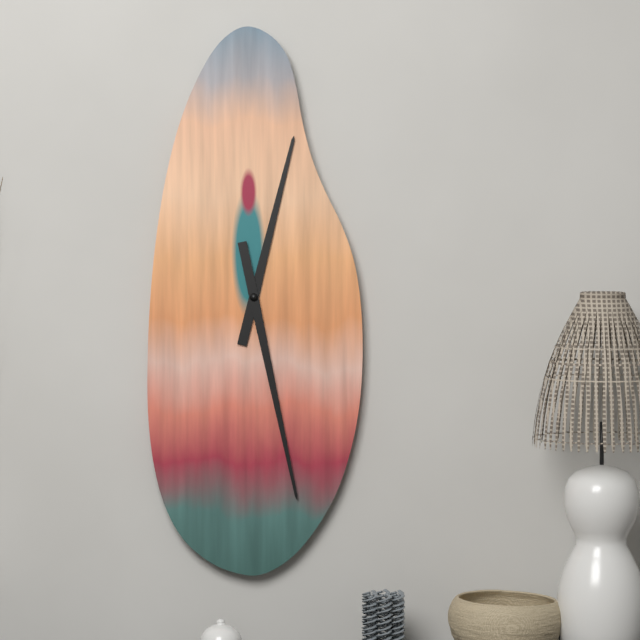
12,28
